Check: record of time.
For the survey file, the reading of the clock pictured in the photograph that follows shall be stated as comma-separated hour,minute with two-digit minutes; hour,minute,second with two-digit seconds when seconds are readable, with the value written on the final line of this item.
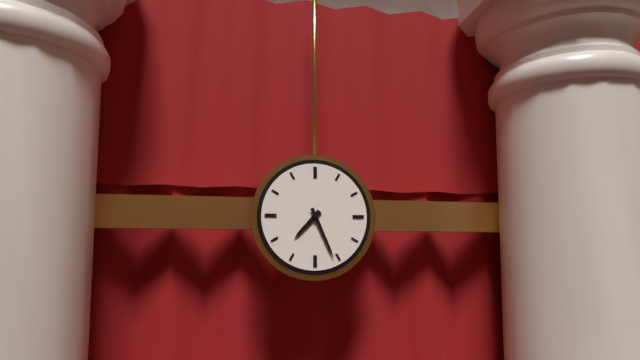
7,26
